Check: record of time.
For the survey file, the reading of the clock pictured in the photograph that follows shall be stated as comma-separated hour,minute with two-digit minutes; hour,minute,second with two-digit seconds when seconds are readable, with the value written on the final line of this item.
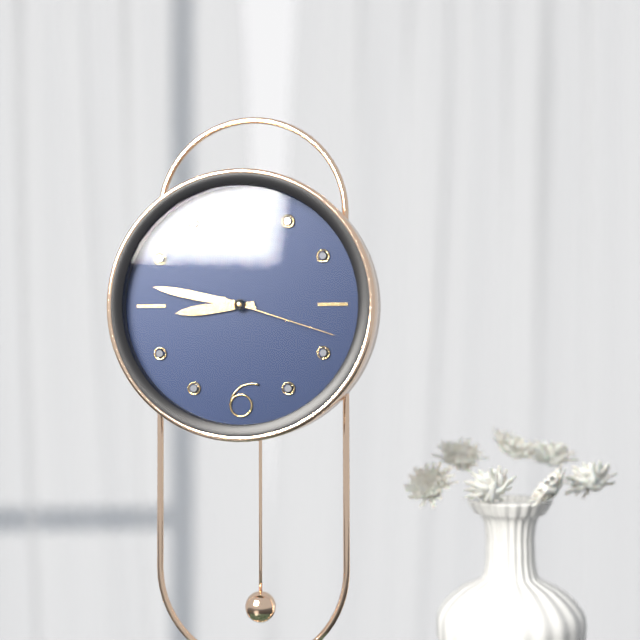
8,47,18
